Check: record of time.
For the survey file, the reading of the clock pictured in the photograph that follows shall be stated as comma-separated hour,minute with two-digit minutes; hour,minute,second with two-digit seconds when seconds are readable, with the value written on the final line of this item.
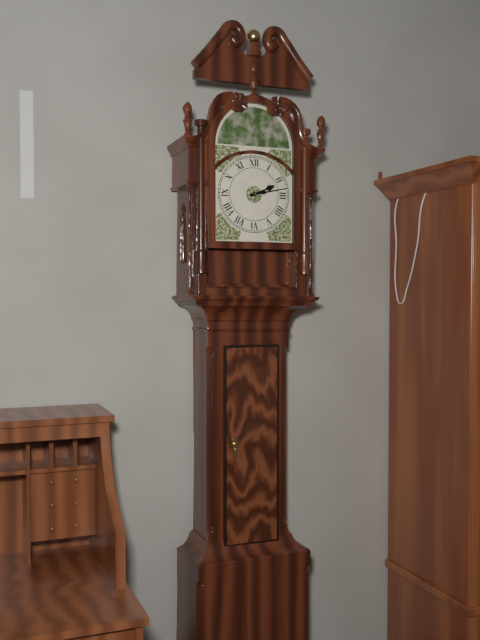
2,13
